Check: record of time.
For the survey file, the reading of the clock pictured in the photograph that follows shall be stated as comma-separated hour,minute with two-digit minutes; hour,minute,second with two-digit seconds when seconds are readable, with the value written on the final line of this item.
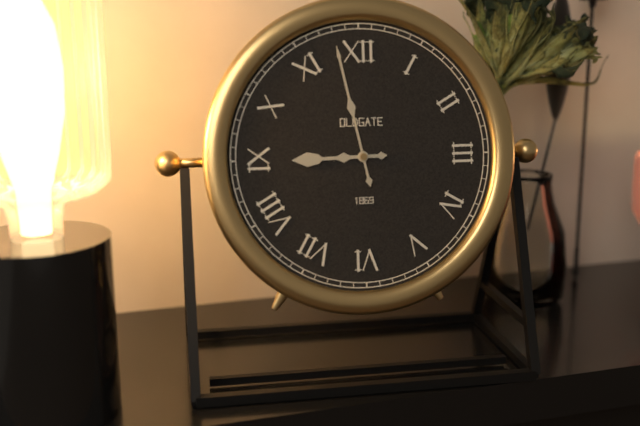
8,58
